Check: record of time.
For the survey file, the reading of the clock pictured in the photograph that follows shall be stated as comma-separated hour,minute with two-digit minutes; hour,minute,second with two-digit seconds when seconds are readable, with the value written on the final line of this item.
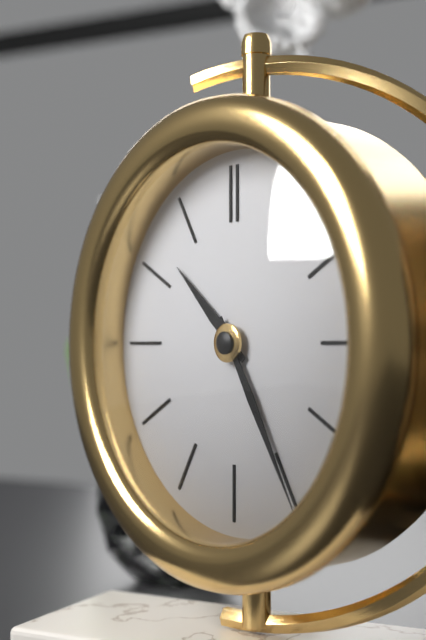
10,25
